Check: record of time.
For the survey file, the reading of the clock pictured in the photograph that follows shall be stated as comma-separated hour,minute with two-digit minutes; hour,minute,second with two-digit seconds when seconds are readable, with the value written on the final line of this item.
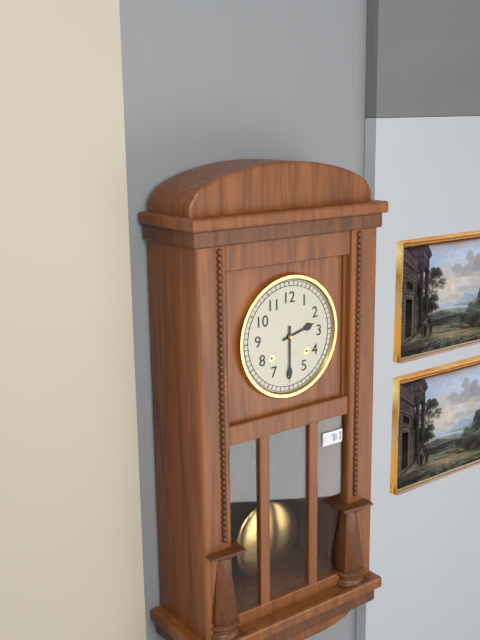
2,30
